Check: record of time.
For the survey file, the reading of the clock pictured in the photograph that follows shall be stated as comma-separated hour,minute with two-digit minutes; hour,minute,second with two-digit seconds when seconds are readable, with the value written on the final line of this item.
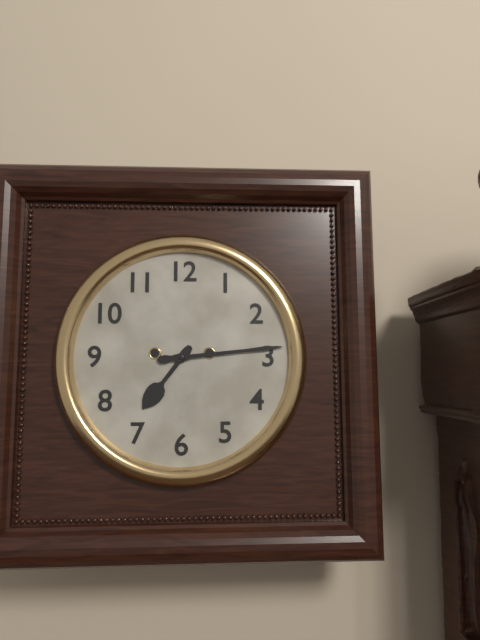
7,14
